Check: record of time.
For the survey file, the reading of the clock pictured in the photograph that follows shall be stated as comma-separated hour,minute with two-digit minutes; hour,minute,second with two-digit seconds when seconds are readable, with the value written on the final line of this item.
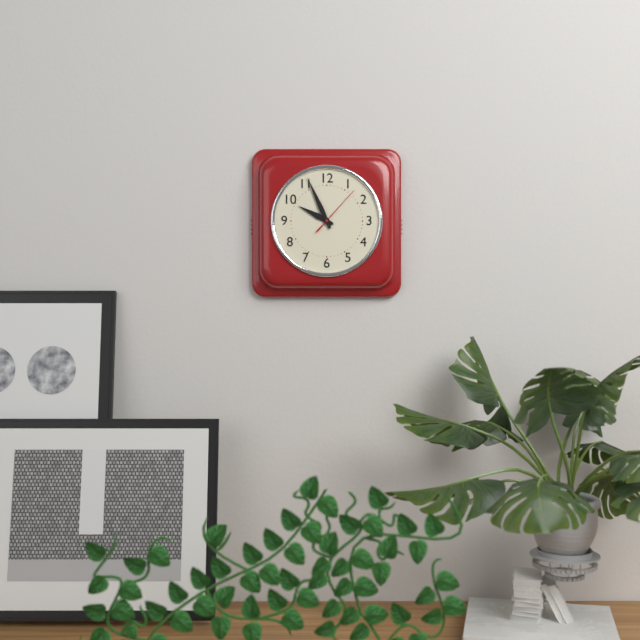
9,56,07
